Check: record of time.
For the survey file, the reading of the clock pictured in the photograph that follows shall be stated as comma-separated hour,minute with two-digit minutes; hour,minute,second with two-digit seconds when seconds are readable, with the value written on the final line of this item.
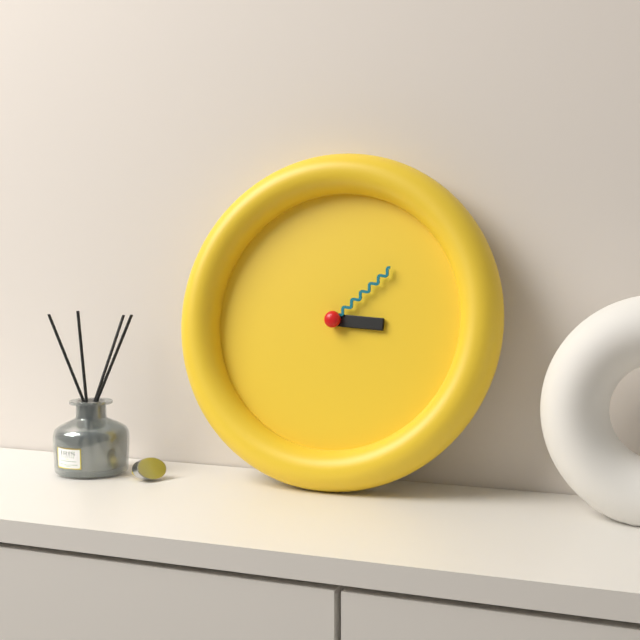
3,08
